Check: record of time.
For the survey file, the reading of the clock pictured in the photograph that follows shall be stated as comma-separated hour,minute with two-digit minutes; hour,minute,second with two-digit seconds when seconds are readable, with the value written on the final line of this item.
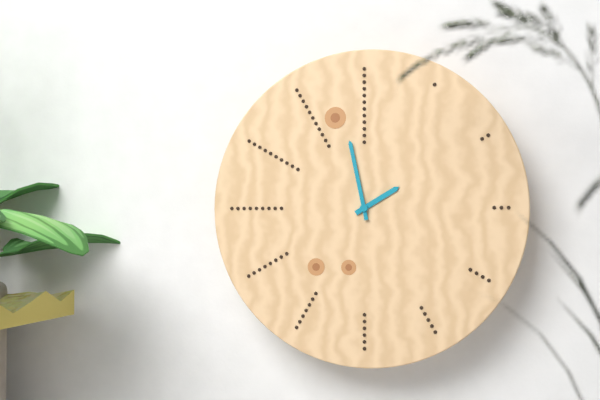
1,58
